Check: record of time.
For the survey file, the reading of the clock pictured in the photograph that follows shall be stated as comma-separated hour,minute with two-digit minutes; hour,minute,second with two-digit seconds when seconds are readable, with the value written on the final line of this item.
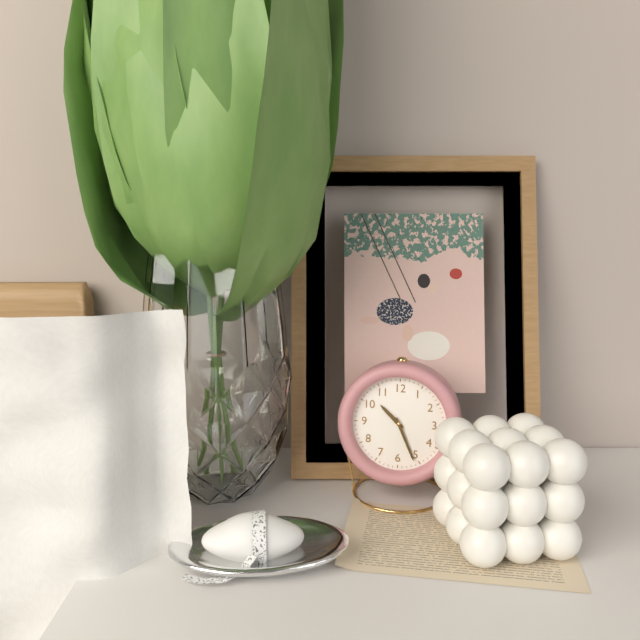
10,26
